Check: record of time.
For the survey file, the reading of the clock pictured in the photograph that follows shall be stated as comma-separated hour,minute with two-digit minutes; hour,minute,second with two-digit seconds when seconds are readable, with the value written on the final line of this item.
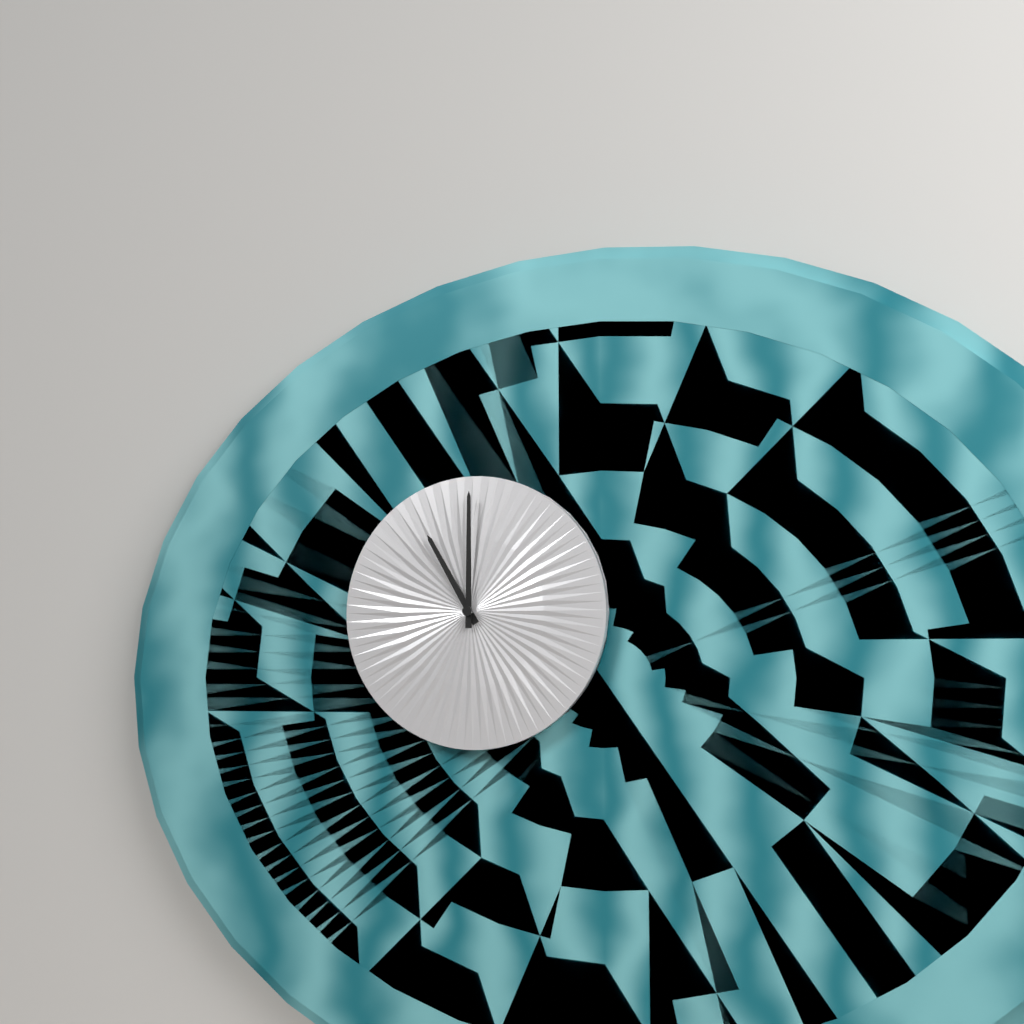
11,00
